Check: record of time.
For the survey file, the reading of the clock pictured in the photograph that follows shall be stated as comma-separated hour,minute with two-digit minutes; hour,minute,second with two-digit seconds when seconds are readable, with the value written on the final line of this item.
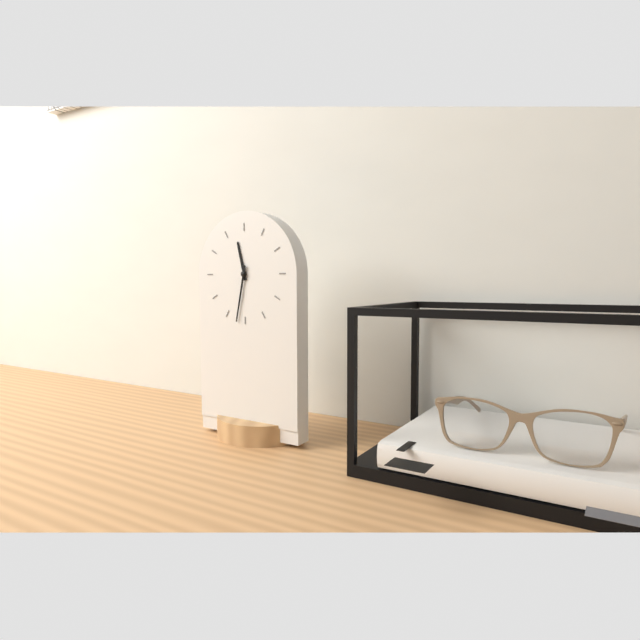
11,32
